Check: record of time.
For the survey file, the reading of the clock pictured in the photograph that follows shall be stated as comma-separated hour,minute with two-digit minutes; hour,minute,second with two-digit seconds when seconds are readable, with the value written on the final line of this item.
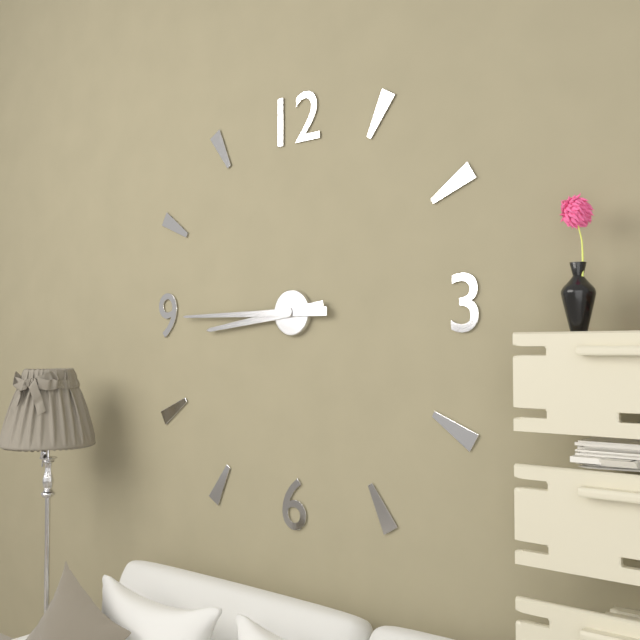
8,45
